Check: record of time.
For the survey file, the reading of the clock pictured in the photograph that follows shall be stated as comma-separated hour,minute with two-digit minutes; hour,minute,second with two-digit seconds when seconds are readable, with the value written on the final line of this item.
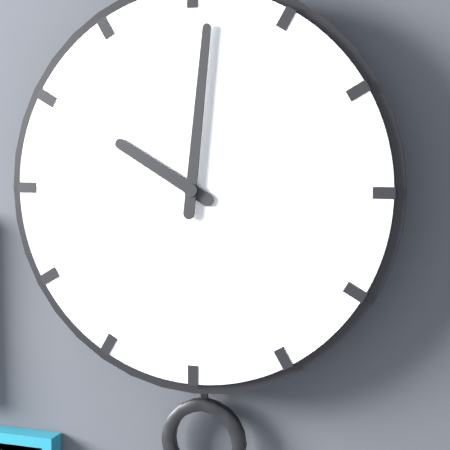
10,01
